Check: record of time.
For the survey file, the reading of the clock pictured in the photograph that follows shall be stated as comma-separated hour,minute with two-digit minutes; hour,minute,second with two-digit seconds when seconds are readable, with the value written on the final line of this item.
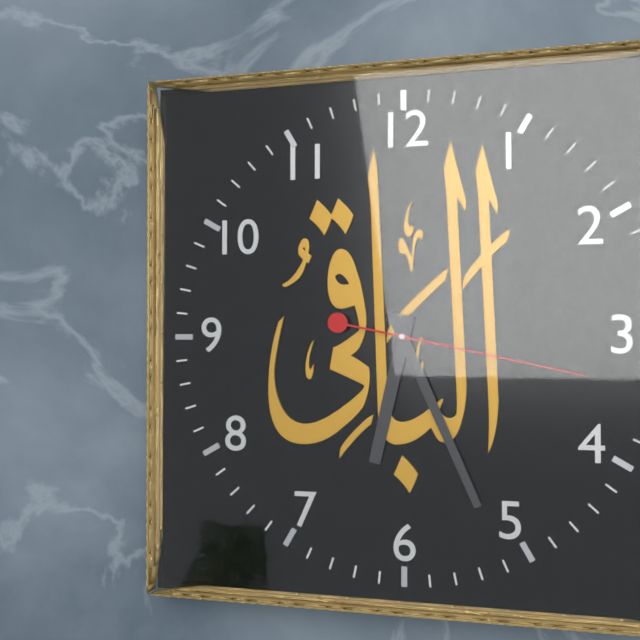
6,26,17
